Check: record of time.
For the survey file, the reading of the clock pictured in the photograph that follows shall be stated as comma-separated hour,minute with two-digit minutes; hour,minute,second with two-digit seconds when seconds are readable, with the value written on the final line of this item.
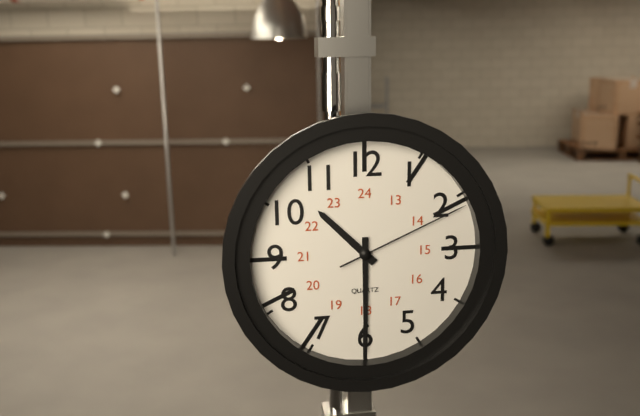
10,30,11
